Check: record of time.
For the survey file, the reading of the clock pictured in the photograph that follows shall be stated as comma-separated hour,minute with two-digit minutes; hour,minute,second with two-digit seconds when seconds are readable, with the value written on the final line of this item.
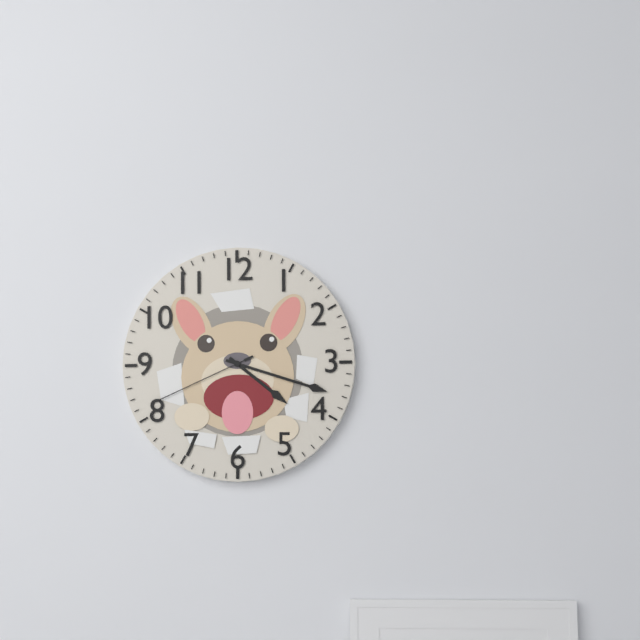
4,18,41
